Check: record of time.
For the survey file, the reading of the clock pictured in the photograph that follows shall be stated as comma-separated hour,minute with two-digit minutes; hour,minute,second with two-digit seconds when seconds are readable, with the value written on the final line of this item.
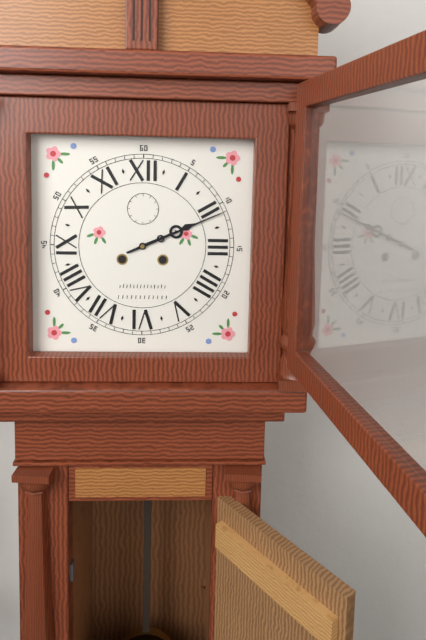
2,11
